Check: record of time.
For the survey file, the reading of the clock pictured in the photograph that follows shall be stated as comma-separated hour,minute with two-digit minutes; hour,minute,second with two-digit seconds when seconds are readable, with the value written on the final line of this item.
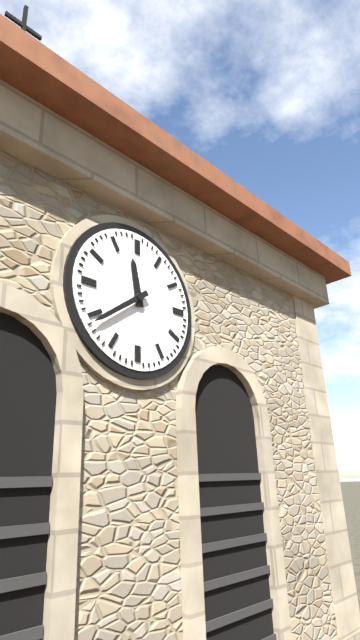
11,39
